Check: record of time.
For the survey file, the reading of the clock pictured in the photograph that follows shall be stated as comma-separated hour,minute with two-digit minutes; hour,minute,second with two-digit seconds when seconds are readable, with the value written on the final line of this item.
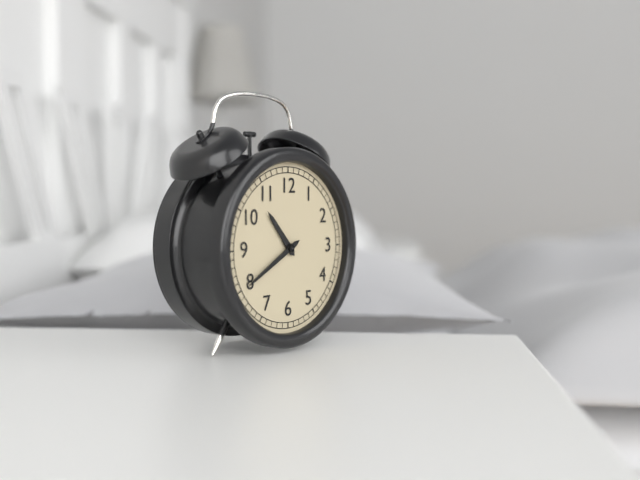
10,40
